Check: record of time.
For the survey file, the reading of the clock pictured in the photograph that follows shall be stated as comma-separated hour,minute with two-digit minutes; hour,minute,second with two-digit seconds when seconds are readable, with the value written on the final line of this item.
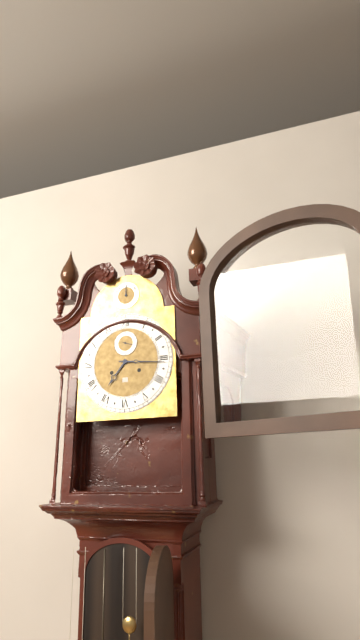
7,16
